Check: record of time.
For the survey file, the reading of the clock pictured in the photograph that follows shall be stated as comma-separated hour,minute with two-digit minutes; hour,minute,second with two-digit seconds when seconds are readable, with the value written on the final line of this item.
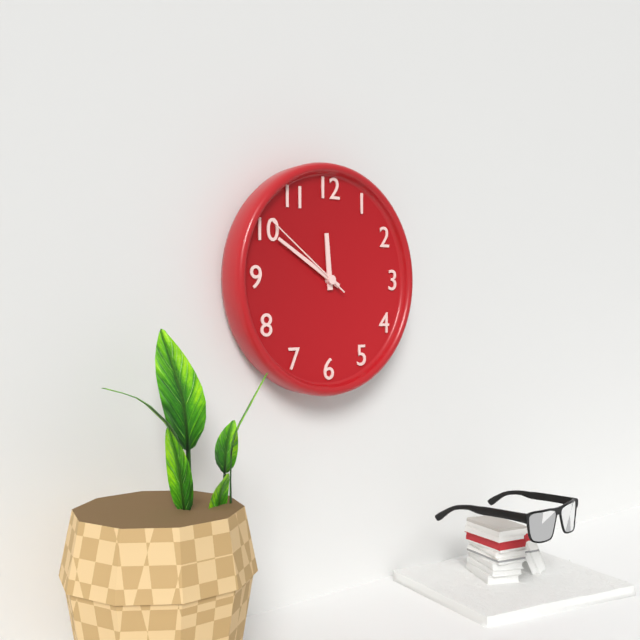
11,50,51
